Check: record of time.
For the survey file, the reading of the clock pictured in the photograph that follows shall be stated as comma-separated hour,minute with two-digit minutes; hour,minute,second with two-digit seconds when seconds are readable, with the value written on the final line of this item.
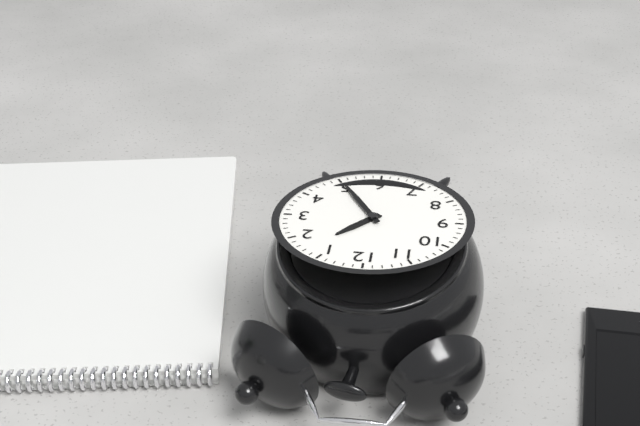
1,25
